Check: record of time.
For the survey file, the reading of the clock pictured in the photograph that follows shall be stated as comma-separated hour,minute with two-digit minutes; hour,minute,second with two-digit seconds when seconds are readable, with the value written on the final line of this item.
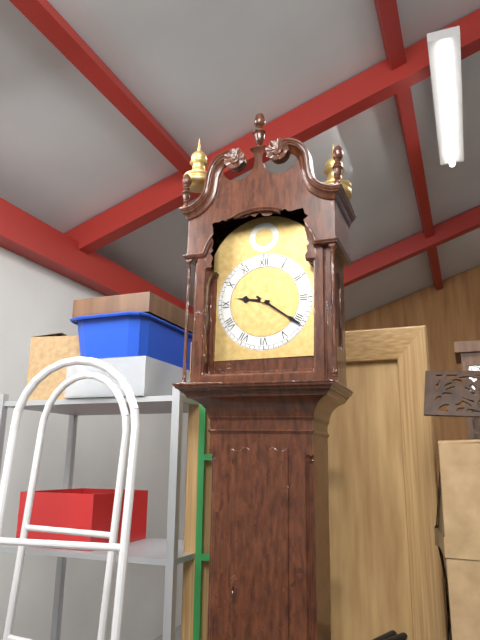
9,21
